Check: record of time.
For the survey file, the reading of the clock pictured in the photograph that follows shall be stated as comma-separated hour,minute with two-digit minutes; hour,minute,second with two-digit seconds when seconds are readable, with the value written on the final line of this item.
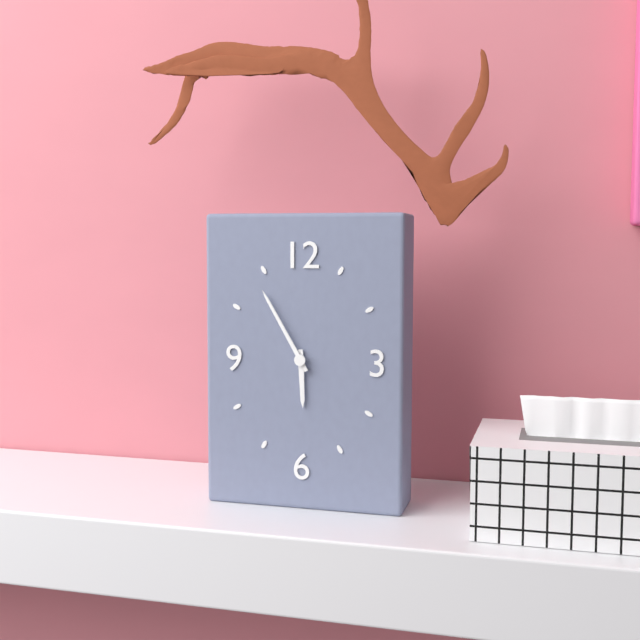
5,55
